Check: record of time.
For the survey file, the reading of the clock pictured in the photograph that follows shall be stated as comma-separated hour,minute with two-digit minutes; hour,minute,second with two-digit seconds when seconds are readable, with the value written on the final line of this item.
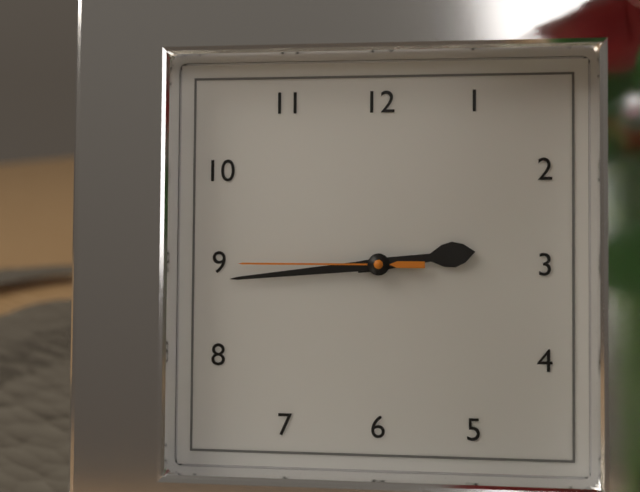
2,44,45
